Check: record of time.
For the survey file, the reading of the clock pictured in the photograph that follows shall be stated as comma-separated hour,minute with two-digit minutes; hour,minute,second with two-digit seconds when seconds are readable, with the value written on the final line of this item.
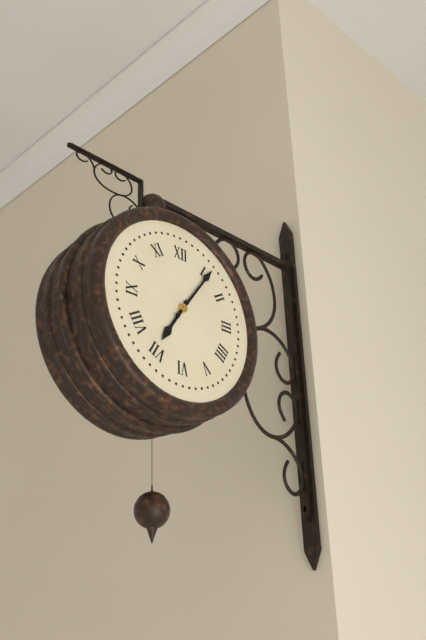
7,06
